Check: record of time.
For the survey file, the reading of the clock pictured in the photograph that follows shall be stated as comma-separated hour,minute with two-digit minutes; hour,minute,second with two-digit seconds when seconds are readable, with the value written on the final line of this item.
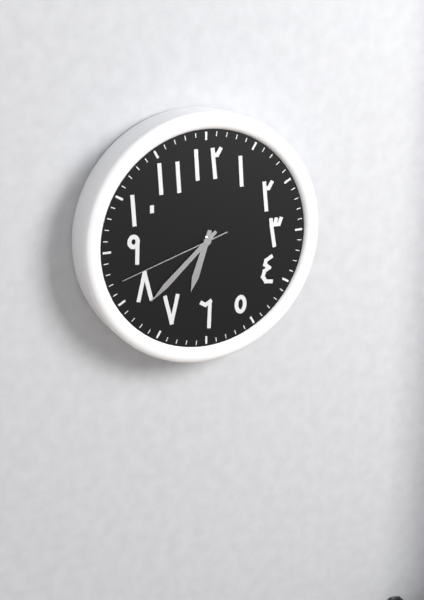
6,38,42
